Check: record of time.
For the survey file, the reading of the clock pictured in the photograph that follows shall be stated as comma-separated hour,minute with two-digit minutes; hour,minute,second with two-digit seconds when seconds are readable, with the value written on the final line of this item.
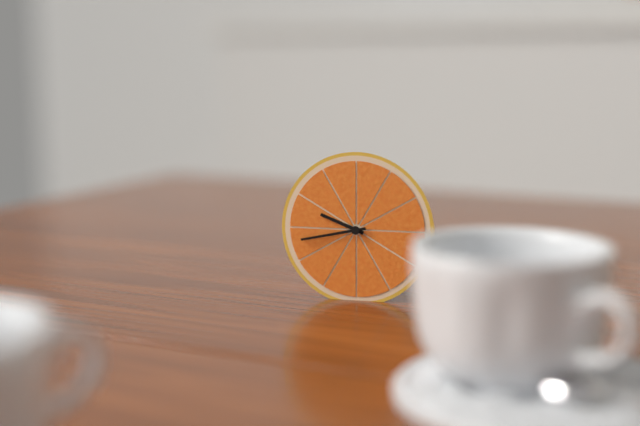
9,43
